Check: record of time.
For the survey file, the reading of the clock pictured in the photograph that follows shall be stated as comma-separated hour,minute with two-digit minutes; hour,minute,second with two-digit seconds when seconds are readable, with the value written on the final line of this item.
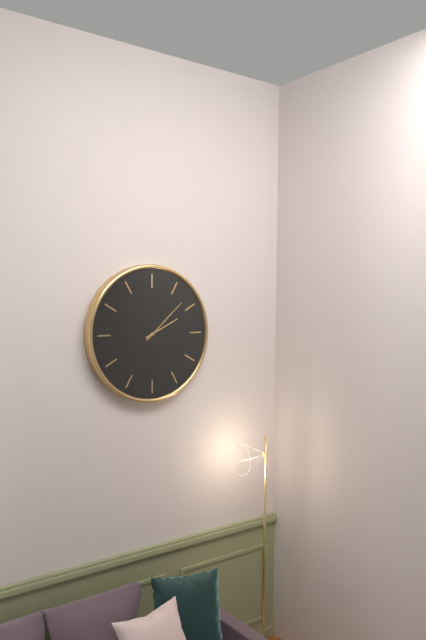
2,08
